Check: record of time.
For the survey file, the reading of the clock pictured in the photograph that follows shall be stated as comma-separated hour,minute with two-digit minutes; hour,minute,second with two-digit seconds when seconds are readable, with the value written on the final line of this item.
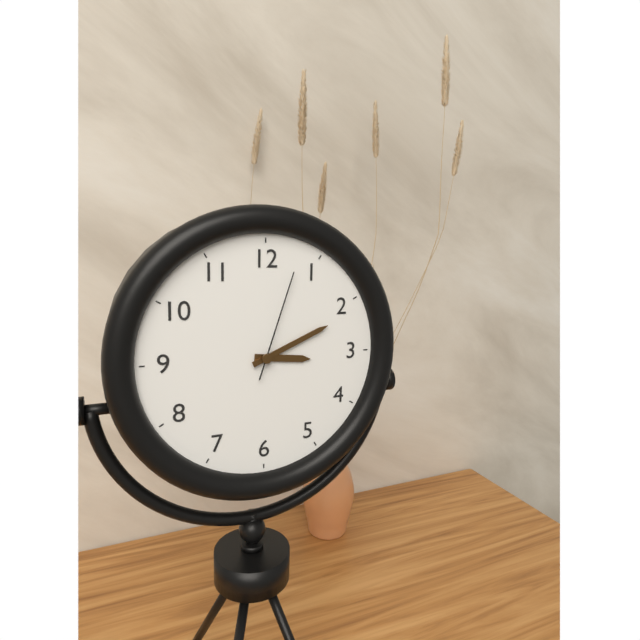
3,11,03
